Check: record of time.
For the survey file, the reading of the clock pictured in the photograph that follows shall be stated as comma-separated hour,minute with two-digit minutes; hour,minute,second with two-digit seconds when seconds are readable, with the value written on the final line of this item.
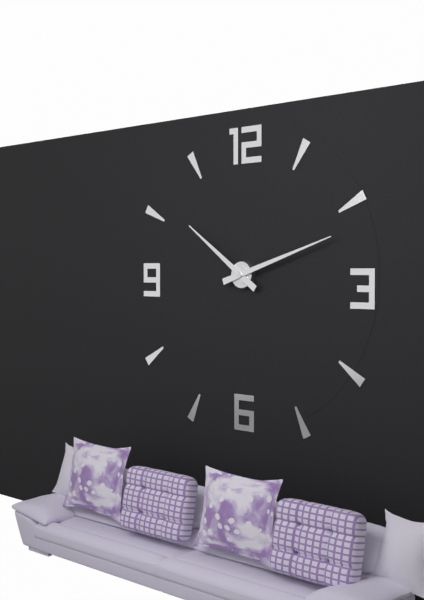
10,12
